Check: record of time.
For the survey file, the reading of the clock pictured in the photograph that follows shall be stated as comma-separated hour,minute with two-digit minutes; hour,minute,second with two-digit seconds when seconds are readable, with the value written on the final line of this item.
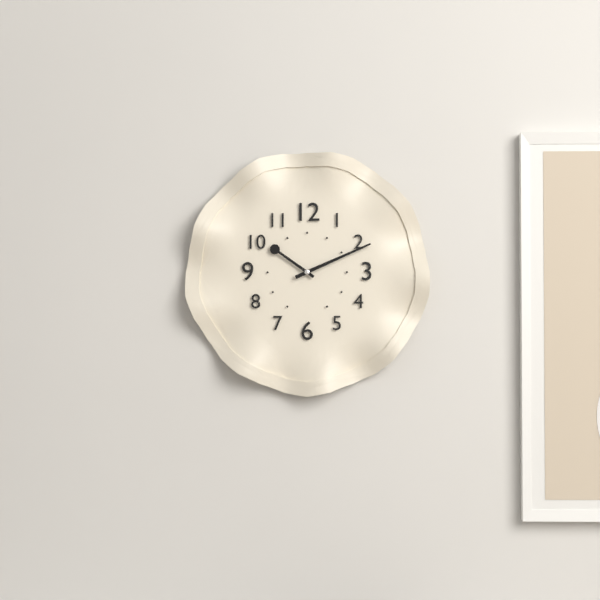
10,11
